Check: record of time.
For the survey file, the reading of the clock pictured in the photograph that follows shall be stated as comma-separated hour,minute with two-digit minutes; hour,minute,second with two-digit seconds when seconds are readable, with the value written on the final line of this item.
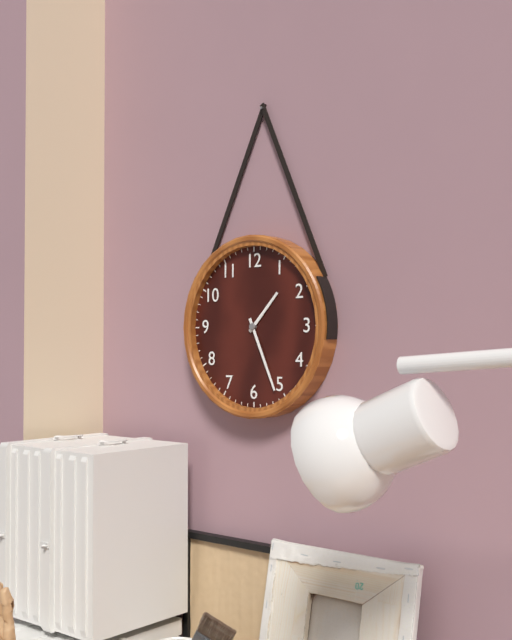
1,26
